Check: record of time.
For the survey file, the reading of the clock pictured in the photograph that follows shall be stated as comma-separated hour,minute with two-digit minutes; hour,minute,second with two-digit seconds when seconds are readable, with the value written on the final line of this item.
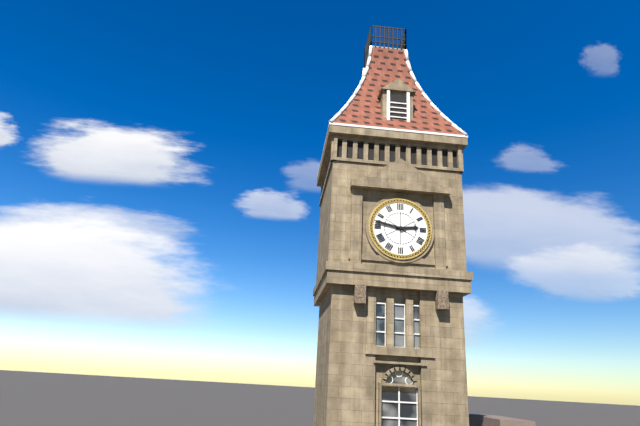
2,47
